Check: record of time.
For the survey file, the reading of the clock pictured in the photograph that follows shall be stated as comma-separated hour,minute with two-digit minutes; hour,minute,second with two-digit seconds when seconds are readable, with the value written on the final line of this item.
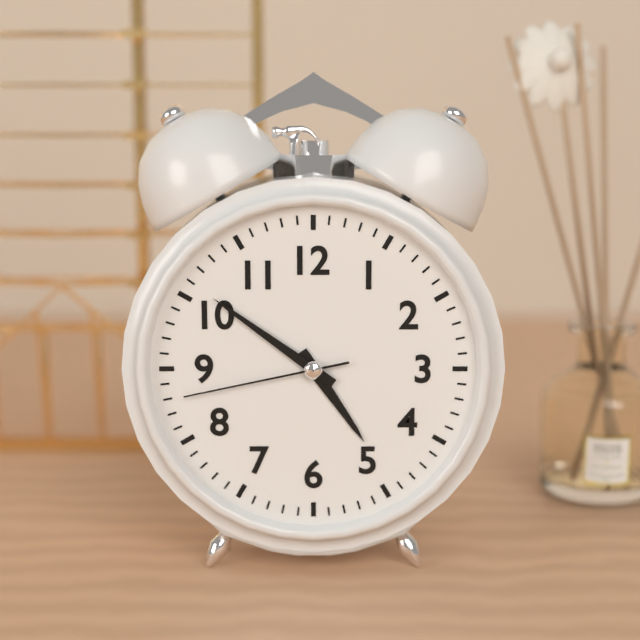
4,51,43
